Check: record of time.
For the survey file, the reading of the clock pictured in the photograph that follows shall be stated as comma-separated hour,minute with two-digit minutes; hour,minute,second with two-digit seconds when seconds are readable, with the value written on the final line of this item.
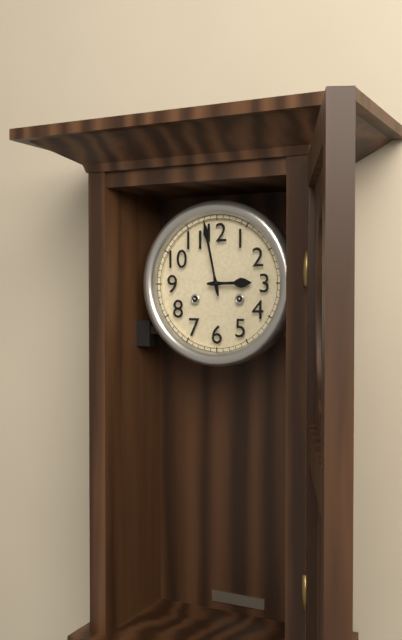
2,58
